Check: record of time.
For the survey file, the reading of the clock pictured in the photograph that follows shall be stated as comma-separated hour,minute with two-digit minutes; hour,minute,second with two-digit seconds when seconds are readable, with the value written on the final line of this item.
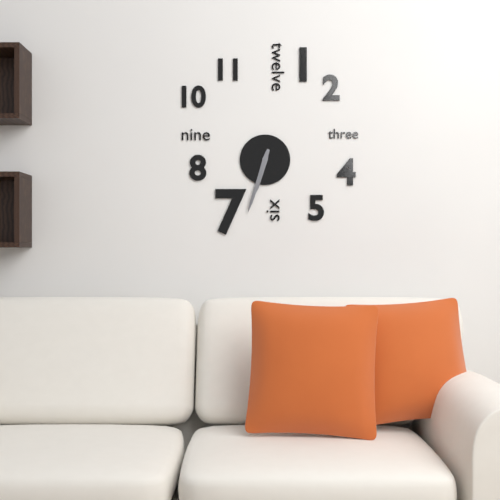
6,33
